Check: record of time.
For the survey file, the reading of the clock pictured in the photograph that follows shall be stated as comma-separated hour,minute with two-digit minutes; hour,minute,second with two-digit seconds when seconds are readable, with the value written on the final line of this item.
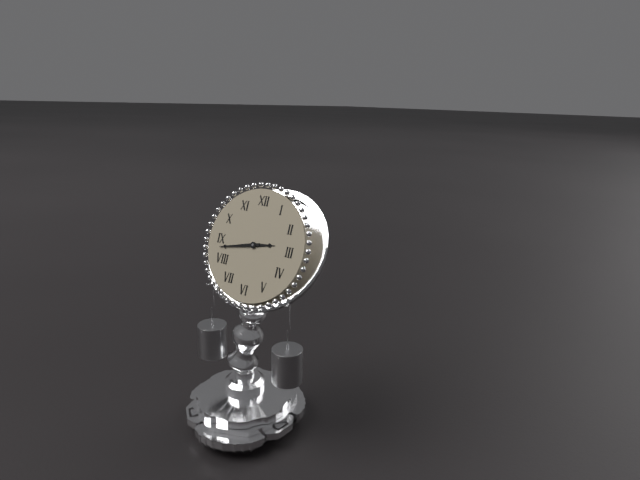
2,43
